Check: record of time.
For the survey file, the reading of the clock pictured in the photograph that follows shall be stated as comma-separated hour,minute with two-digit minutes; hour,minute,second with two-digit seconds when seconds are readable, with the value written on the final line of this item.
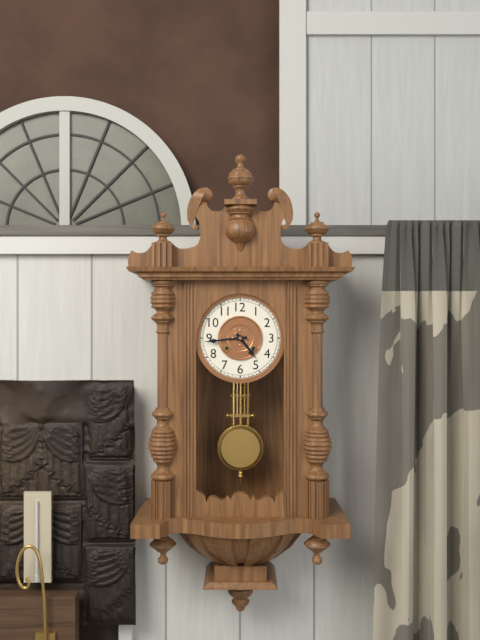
4,44
